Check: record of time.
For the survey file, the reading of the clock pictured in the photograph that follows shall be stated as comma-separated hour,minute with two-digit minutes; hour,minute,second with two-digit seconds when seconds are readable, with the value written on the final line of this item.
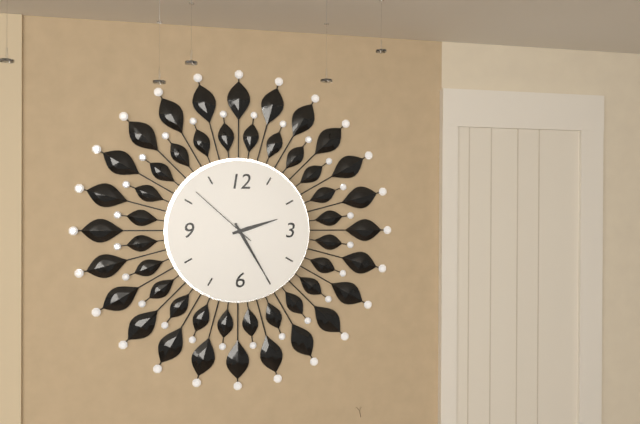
2,25,52
